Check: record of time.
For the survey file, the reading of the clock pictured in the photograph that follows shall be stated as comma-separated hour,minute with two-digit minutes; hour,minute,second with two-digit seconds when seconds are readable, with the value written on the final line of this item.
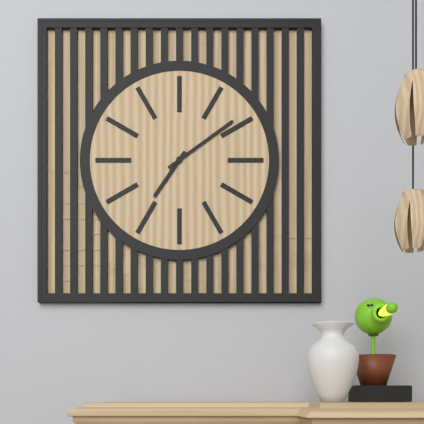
7,09
